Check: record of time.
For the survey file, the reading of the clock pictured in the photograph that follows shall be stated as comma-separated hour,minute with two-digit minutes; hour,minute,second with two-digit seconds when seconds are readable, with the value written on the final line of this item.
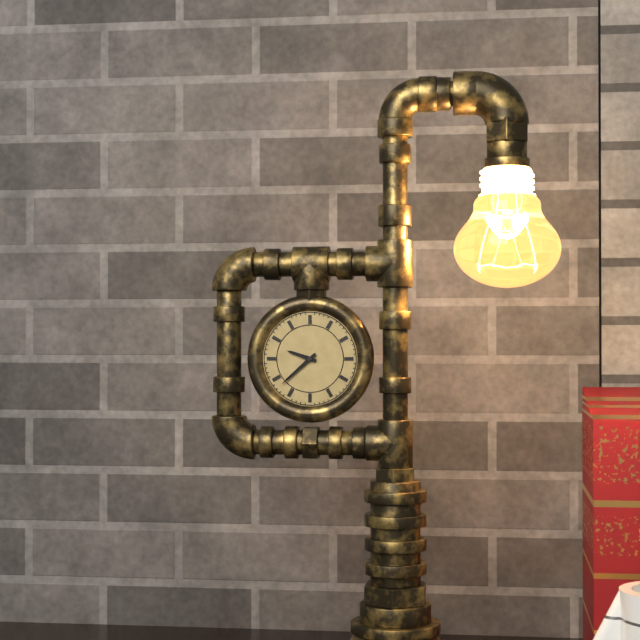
9,38
